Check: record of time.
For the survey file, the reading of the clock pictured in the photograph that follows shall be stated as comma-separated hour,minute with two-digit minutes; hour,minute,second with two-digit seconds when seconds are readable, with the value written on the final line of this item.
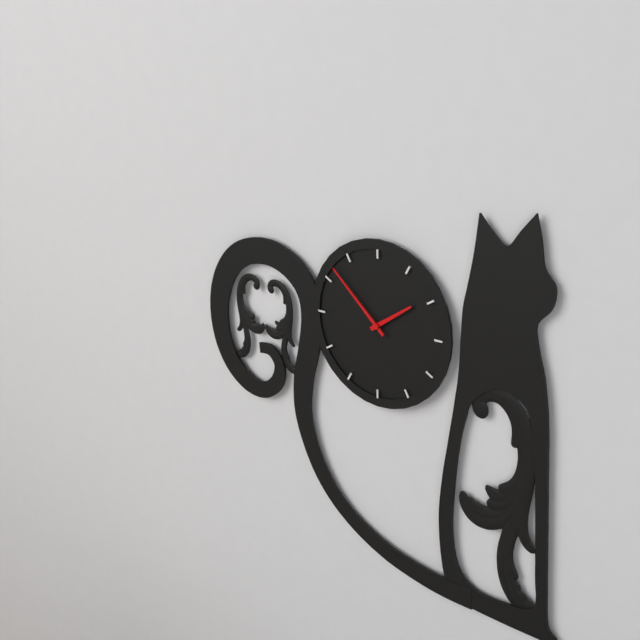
1,52
